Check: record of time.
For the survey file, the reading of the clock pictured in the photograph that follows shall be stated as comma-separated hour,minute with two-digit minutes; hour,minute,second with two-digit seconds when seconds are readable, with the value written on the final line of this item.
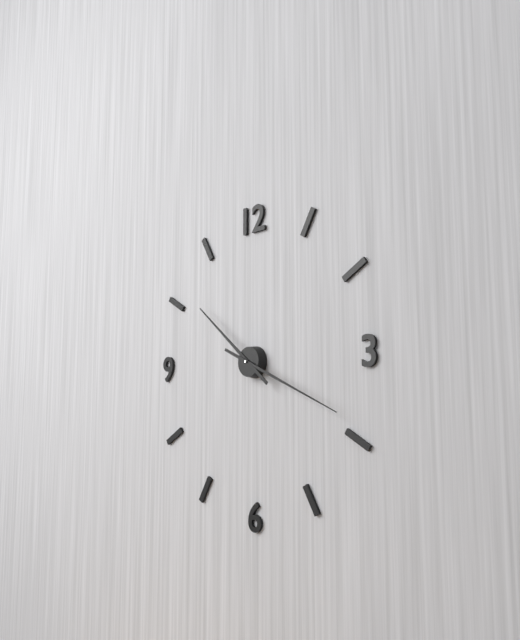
10,19
